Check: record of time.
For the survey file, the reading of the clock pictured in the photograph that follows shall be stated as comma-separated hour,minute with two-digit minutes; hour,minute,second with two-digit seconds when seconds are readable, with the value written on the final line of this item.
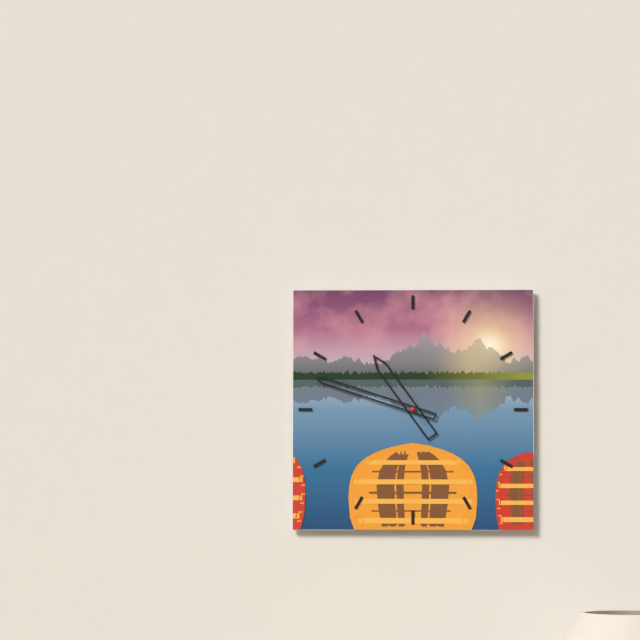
10,48
